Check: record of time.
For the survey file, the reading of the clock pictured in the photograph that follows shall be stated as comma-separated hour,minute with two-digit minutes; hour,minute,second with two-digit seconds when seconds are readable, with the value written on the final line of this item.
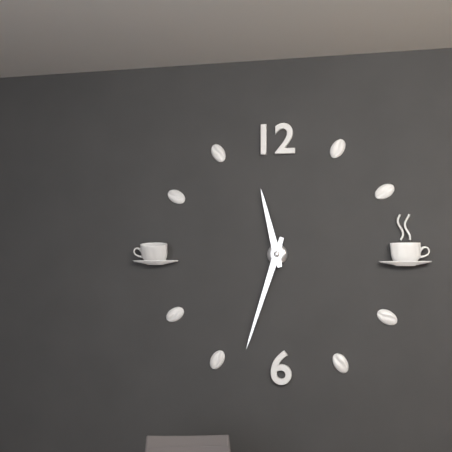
11,33
